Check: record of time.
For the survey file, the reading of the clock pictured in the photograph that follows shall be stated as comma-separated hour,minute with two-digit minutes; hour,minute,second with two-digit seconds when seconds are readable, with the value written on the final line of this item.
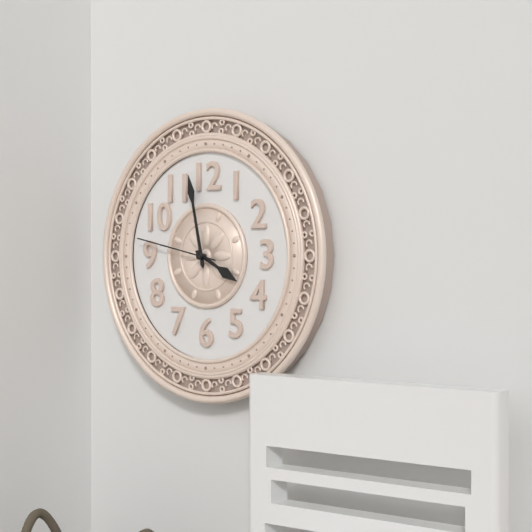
3,58,47
